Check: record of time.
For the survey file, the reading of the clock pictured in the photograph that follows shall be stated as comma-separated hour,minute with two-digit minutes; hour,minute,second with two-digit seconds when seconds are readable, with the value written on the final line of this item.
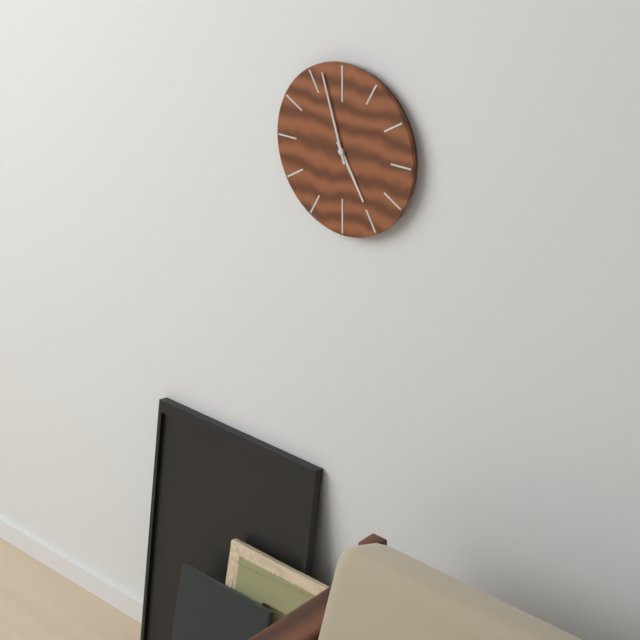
4,57
